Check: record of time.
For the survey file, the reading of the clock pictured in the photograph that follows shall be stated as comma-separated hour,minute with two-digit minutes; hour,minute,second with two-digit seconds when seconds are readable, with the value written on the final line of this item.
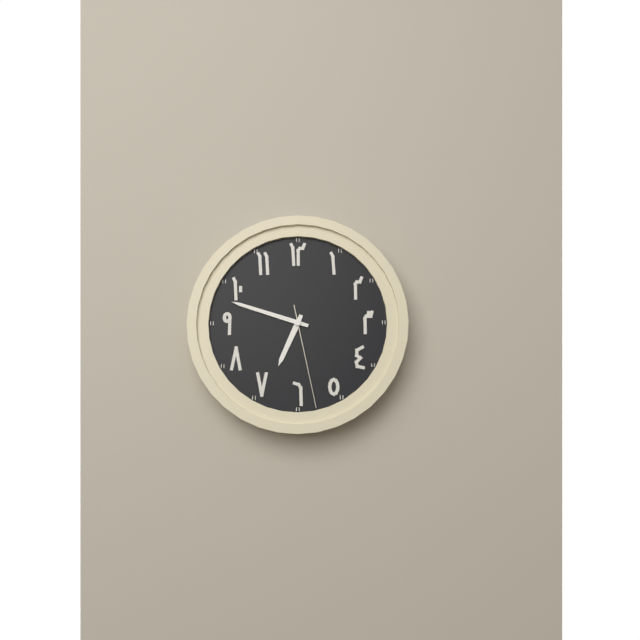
6,48,28
